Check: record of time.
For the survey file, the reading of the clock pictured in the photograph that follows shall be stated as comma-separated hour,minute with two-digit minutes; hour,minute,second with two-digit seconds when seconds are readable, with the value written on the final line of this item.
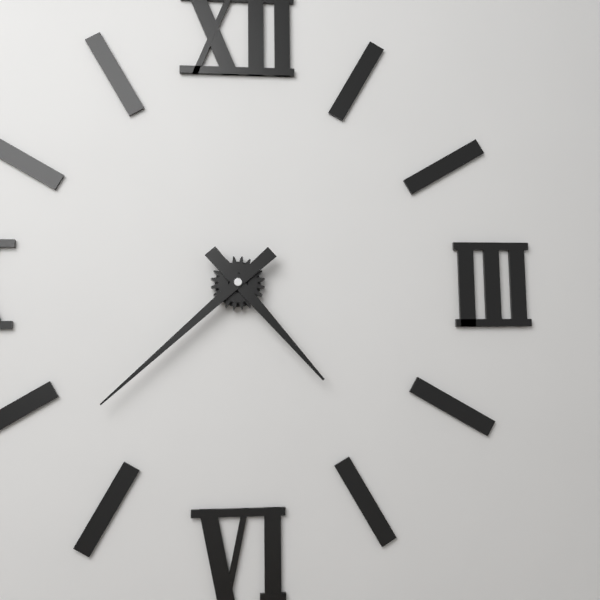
4,38
